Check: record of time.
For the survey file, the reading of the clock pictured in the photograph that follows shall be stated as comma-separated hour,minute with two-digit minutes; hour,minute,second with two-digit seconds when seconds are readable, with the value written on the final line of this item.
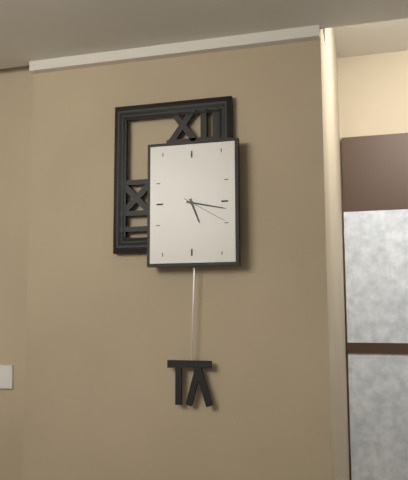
5,17
